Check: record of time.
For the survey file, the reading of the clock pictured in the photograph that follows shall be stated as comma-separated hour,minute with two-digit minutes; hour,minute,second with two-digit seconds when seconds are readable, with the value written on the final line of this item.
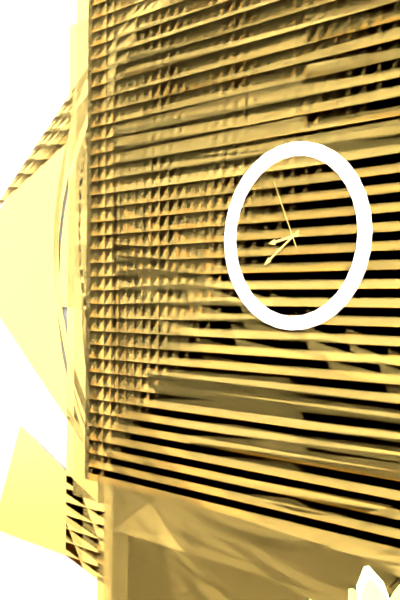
8,39,56
